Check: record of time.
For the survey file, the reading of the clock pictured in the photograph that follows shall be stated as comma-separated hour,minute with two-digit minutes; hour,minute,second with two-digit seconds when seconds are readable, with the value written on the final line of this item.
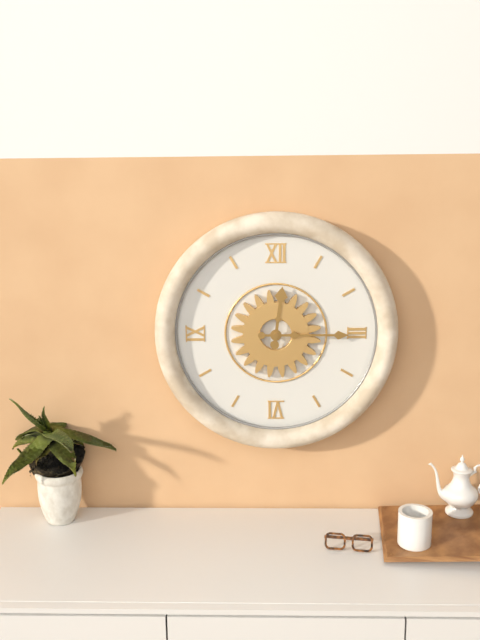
12,15
